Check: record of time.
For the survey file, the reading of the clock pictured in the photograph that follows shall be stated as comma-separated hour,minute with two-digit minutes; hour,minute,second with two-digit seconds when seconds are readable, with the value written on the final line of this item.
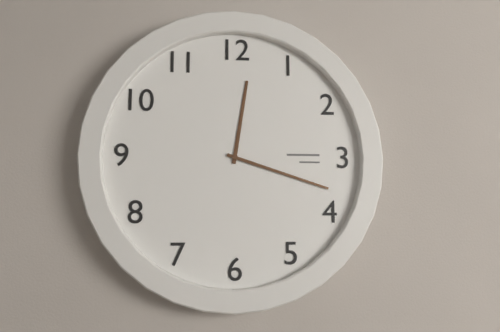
12,18
